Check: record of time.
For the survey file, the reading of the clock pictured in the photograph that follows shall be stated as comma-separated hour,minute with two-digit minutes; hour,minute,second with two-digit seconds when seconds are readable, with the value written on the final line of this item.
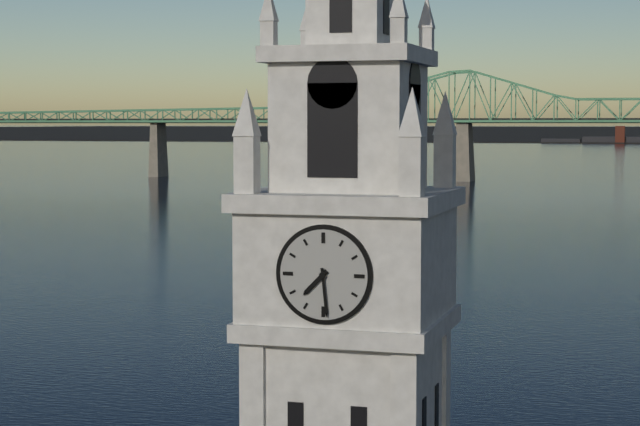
7,29
